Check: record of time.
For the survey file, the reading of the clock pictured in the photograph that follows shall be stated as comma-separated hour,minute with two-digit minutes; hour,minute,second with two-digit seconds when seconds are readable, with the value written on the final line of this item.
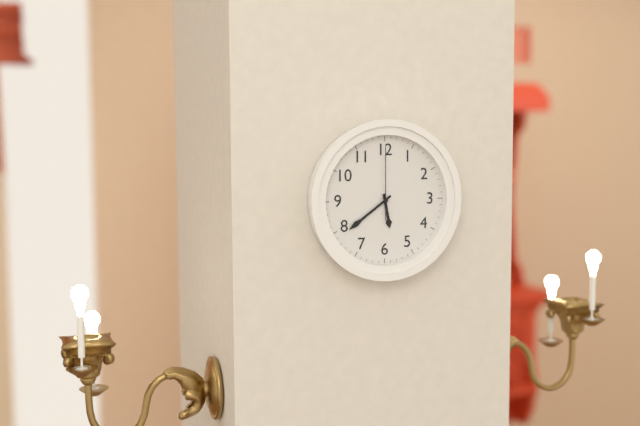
5,39,00
